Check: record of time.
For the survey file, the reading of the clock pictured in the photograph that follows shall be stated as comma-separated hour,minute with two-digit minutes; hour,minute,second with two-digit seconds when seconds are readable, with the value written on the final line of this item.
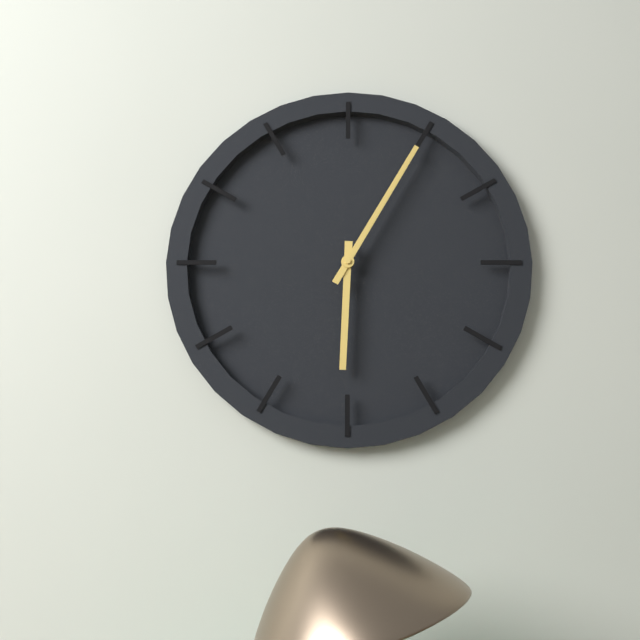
6,05
